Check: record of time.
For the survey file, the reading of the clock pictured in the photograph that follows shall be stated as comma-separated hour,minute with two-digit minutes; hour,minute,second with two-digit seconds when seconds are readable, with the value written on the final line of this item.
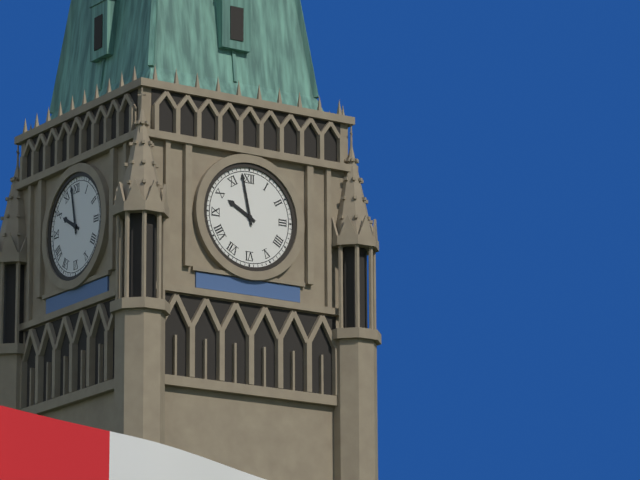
9,58
